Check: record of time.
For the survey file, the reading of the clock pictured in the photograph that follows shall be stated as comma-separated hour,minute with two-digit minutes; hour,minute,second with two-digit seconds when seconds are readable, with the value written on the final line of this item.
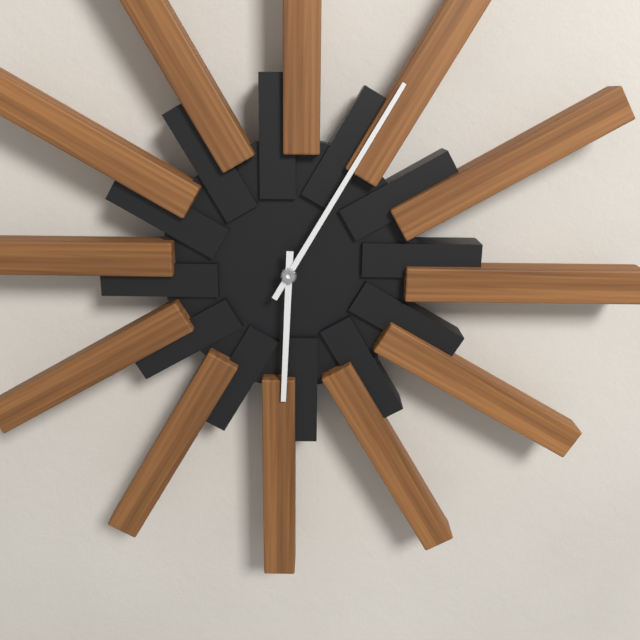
6,05
